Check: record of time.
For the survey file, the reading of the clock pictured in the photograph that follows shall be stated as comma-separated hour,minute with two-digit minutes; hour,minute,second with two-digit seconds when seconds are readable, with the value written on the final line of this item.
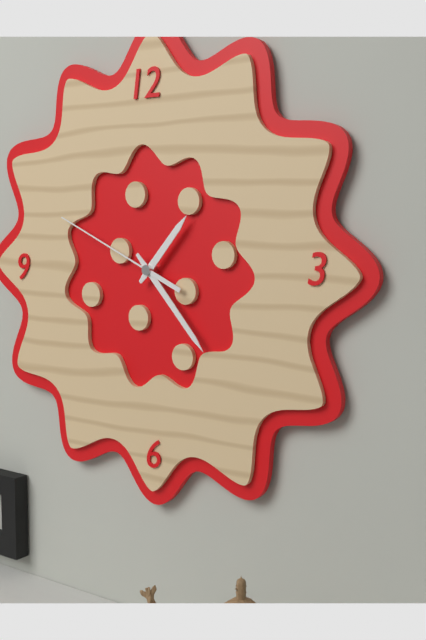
1,23,49
